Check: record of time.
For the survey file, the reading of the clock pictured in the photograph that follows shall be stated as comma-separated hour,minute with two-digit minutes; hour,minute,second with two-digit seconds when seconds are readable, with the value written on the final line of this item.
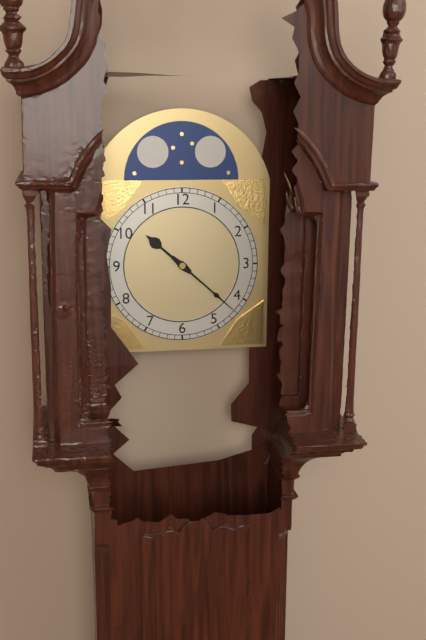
10,22
